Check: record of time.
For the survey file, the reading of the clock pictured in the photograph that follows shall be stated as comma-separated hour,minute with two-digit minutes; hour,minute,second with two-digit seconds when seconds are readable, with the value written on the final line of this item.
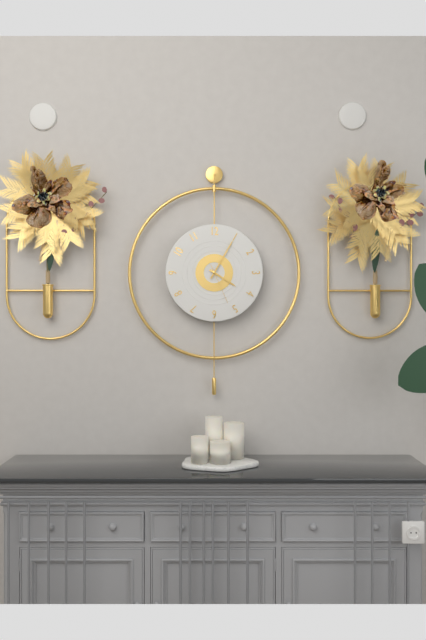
4,05
